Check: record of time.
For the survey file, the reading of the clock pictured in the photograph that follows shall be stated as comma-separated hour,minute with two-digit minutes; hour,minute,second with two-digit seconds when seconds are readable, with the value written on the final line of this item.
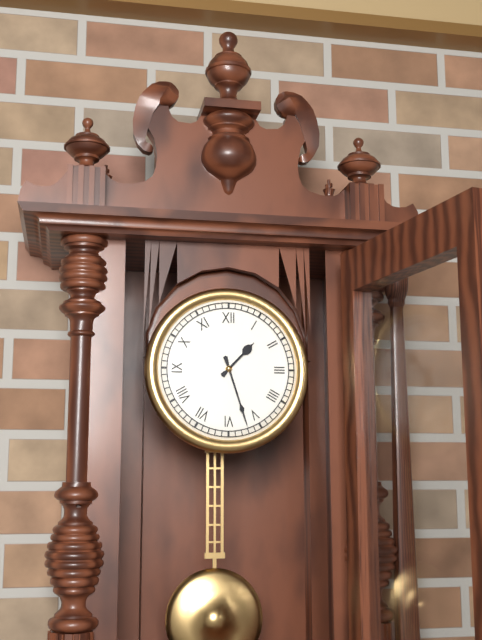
1,27
